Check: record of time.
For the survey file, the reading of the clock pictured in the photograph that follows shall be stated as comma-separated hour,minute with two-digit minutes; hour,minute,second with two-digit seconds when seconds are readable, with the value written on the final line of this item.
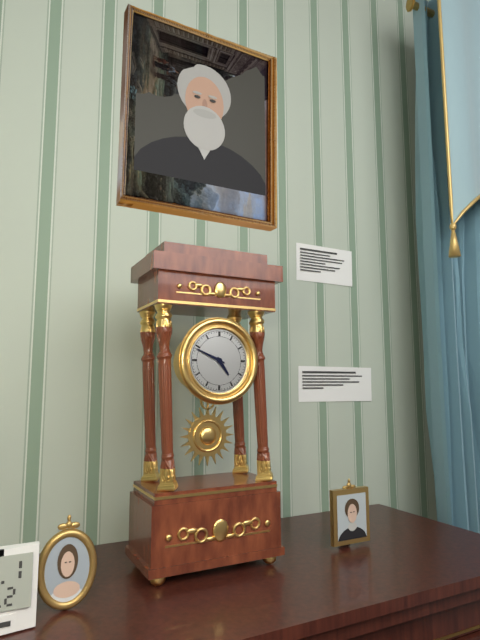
4,49
